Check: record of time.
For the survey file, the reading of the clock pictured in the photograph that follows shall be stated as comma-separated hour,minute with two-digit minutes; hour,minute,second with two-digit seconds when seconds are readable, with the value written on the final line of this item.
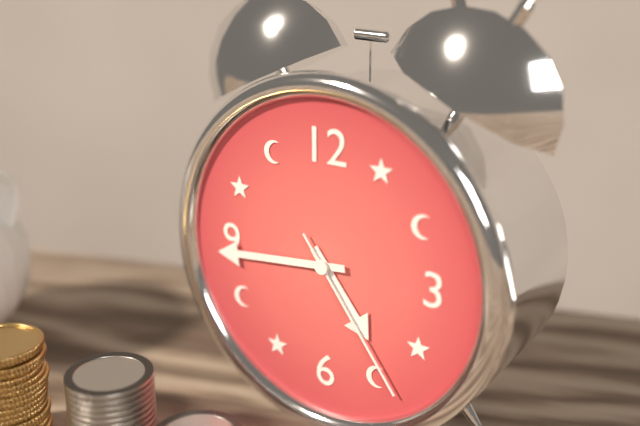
4,44,24
